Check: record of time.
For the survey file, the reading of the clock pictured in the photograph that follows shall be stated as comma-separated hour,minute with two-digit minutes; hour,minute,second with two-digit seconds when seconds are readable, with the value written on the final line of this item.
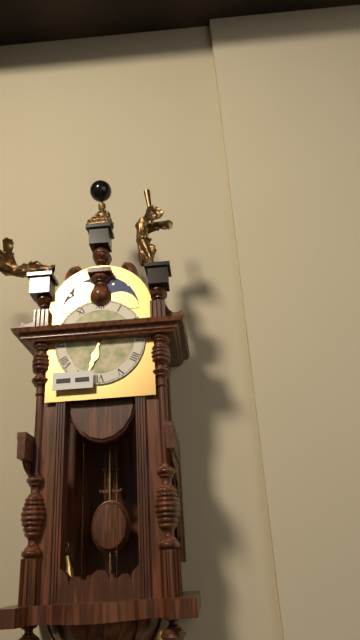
6,33
